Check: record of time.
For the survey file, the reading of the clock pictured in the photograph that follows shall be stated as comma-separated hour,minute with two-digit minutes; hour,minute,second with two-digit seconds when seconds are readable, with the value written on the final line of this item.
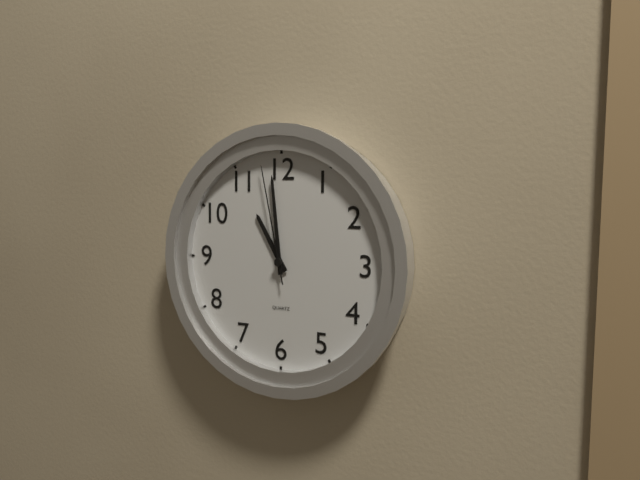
10,59,58
